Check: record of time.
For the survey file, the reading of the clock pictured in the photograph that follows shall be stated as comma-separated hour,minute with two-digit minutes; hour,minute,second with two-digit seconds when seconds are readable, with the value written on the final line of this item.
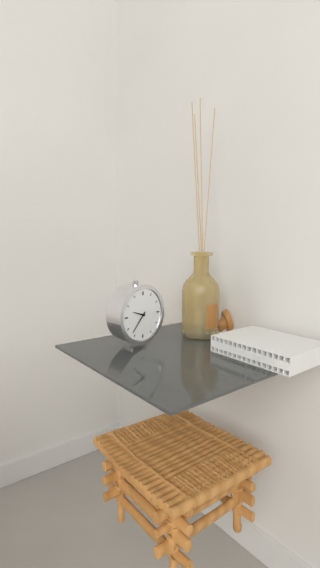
9,37
